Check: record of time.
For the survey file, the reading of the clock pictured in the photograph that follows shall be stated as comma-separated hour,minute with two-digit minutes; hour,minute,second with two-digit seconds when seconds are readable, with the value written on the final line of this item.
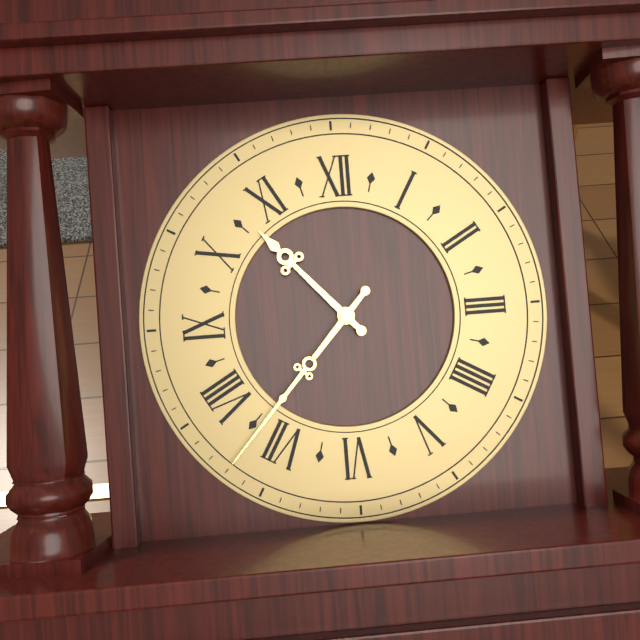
10,37
